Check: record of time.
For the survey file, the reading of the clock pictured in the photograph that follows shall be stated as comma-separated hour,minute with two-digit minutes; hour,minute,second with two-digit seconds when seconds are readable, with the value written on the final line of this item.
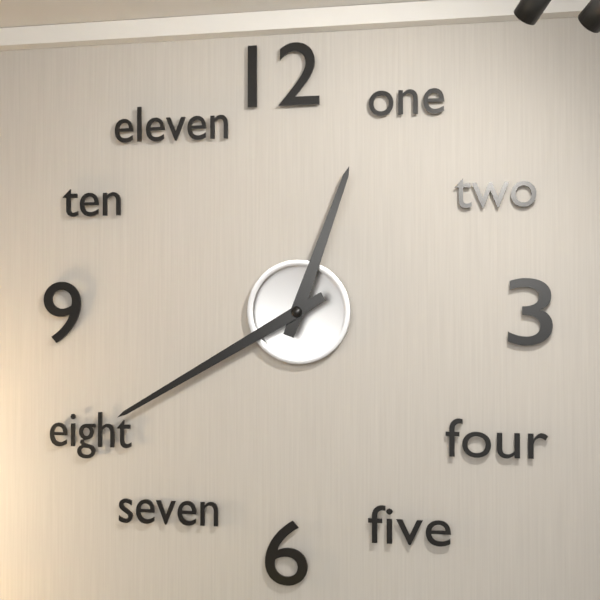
12,40
